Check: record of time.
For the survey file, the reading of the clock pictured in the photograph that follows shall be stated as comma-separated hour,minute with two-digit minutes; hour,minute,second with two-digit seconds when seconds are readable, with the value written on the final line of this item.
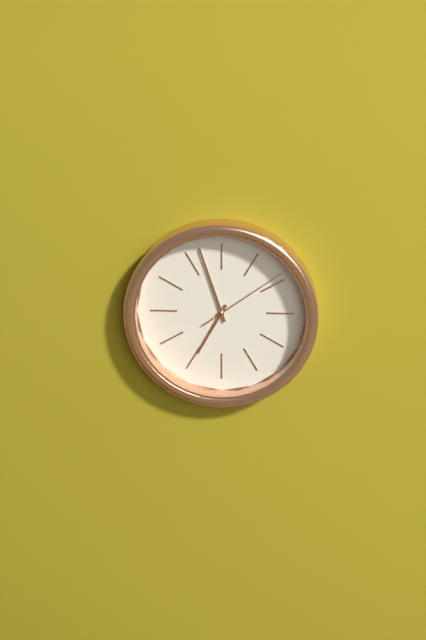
6,57,09
